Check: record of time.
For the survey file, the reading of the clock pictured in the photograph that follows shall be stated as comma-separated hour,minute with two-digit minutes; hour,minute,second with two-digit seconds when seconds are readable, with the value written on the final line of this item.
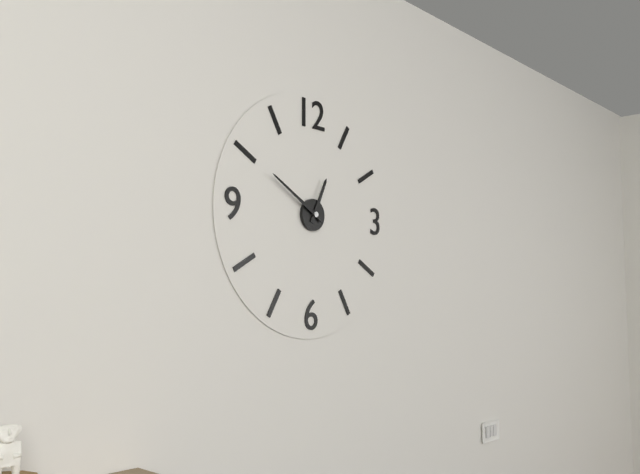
12,50
